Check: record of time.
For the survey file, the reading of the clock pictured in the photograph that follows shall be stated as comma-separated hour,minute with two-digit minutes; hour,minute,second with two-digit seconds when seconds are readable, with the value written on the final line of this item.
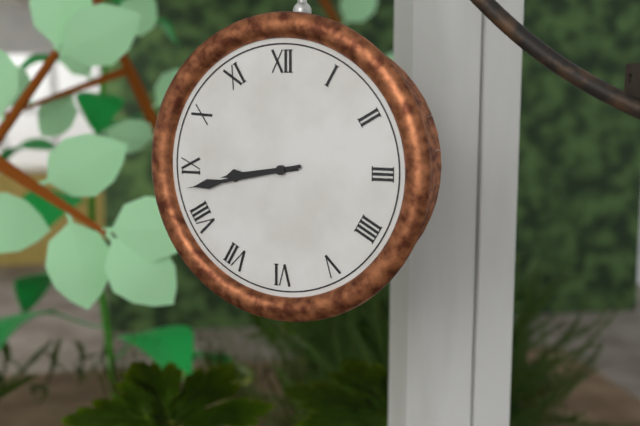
8,43
